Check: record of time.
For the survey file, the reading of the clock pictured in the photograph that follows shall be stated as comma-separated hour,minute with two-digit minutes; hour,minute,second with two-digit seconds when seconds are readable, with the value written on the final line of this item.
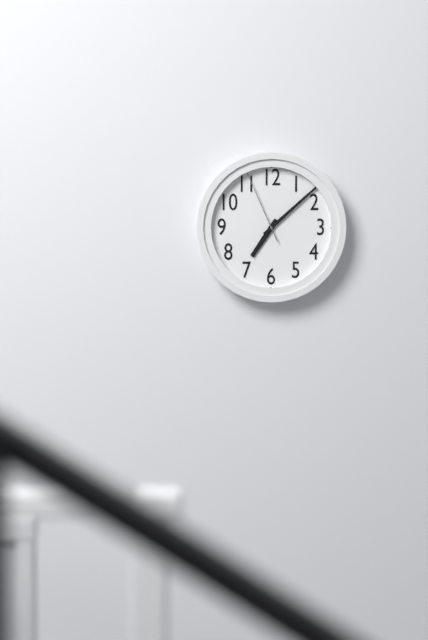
7,08,56
